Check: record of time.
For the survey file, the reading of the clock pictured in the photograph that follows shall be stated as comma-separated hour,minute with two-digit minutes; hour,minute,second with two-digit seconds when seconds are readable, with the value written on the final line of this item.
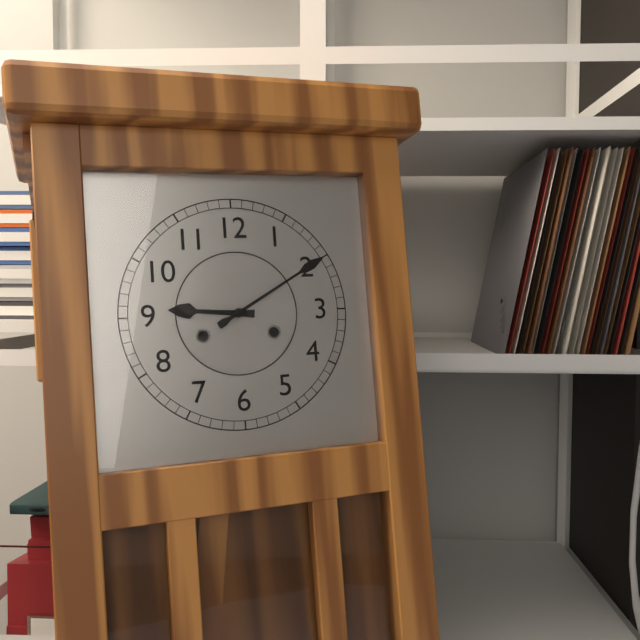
9,10
